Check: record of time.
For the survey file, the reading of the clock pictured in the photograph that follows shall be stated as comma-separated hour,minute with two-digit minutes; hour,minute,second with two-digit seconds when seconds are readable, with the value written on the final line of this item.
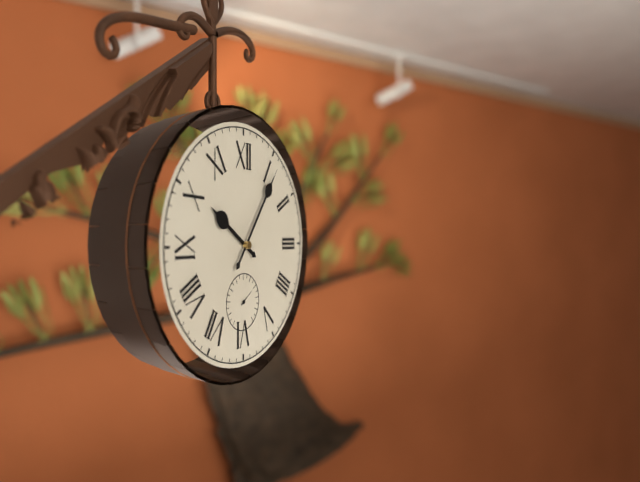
10,06
